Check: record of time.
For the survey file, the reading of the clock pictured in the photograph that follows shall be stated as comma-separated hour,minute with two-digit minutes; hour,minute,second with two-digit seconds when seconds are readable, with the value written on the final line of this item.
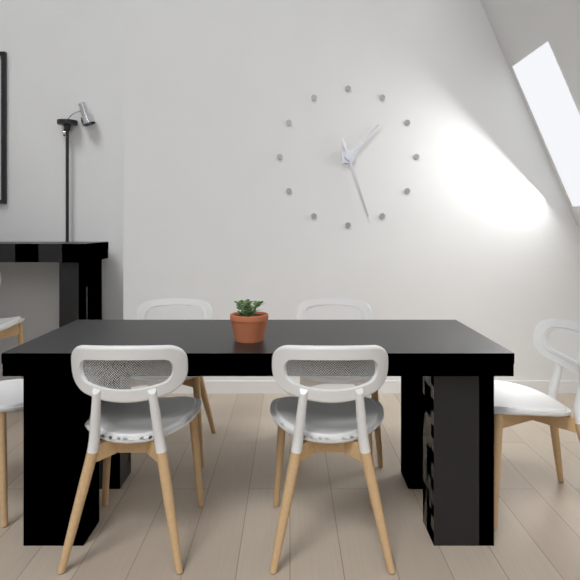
1,27
